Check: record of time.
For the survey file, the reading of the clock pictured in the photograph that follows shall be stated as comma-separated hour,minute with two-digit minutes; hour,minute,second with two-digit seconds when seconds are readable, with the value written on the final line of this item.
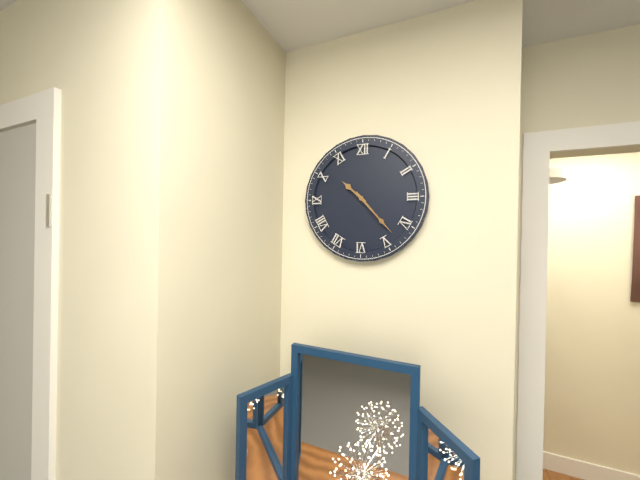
10,23
